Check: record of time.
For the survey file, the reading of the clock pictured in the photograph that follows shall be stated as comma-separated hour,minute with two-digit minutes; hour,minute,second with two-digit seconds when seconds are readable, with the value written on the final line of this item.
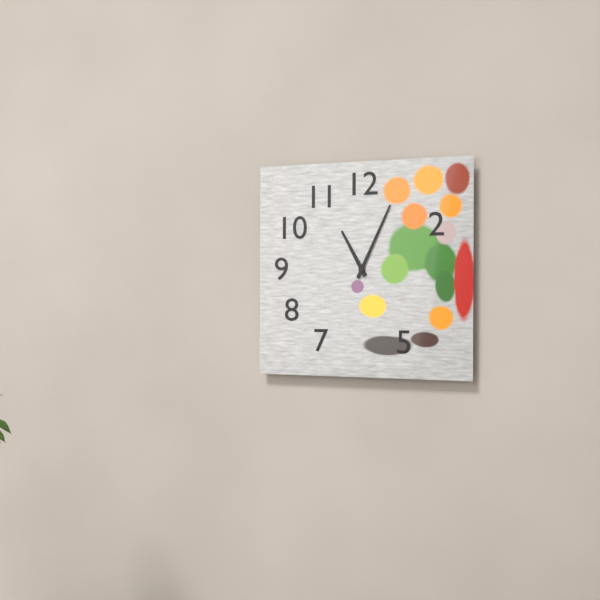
11,04
